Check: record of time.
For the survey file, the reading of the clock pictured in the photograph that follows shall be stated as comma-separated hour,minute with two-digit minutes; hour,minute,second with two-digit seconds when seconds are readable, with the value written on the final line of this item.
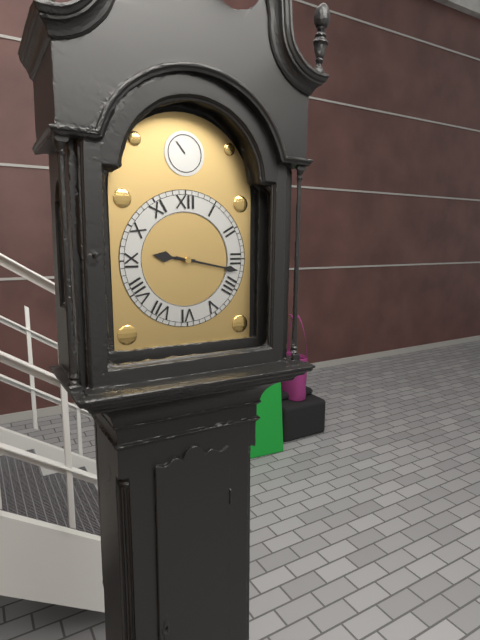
9,17
